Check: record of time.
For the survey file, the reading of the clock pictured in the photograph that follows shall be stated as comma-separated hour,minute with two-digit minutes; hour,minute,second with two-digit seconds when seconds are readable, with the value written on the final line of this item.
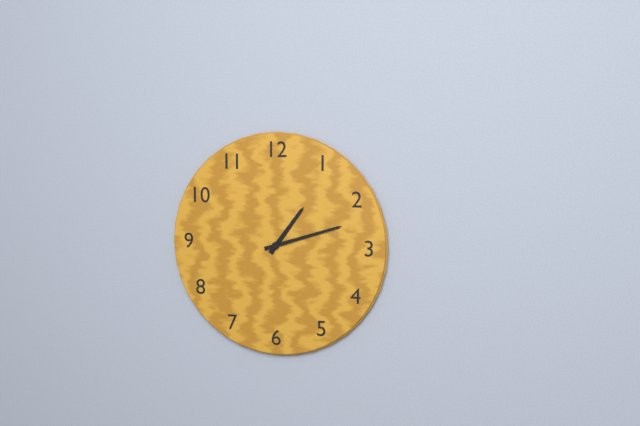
1,12
